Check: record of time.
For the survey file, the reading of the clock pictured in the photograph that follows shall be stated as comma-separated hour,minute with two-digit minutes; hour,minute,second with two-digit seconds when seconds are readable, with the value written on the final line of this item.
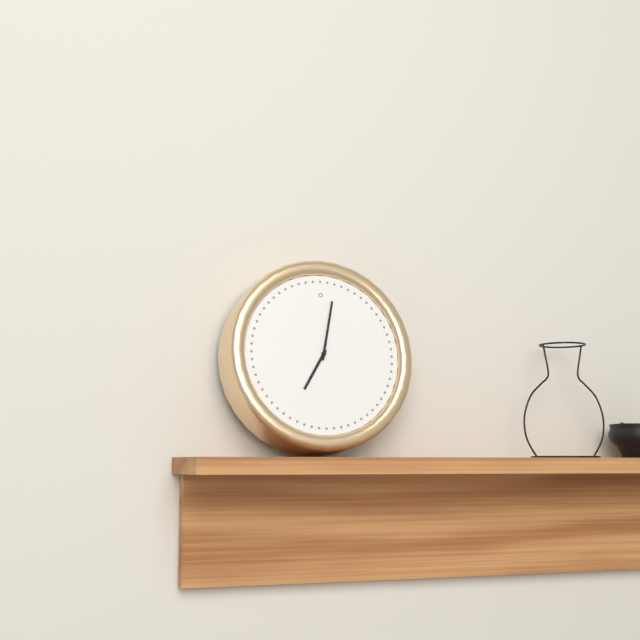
7,02
